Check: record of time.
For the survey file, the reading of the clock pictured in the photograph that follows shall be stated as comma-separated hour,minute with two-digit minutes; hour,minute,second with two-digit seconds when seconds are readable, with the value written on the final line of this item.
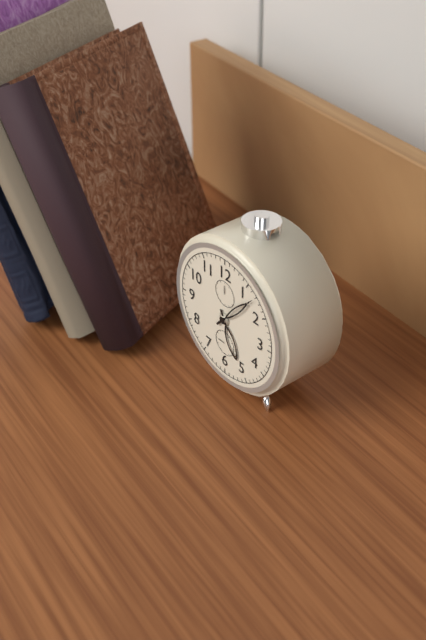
5,07
